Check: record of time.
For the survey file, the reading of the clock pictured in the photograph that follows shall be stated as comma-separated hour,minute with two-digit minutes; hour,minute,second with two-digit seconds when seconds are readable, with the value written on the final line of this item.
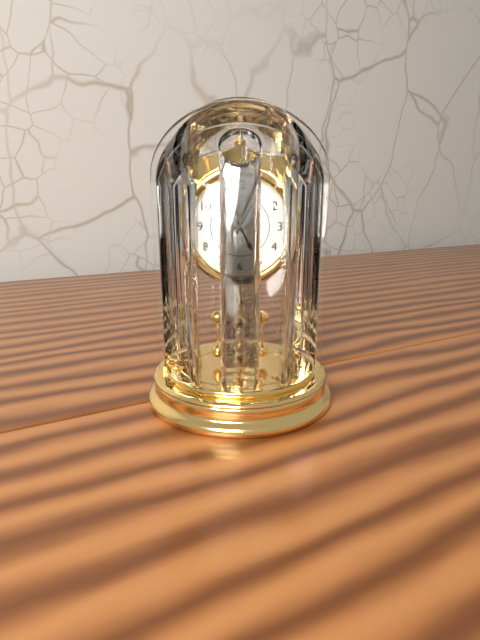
5,05
